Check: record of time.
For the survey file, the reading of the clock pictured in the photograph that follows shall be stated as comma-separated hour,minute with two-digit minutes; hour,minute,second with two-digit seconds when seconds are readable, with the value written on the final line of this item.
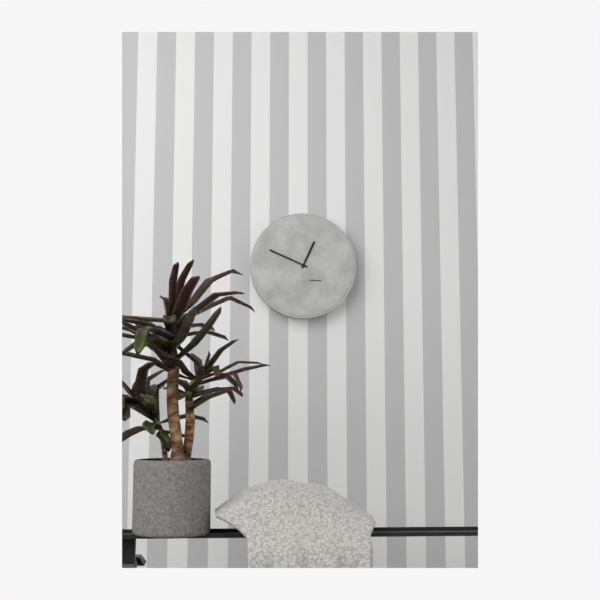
12,49
